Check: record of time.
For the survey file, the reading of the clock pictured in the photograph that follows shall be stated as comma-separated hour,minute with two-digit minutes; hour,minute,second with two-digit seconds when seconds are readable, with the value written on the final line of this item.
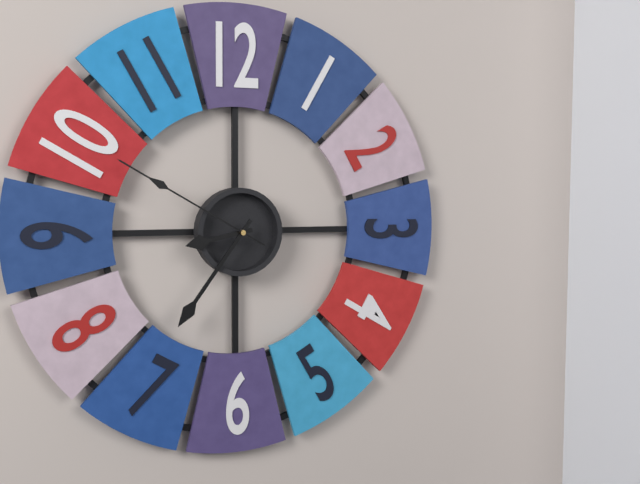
8,36,50
